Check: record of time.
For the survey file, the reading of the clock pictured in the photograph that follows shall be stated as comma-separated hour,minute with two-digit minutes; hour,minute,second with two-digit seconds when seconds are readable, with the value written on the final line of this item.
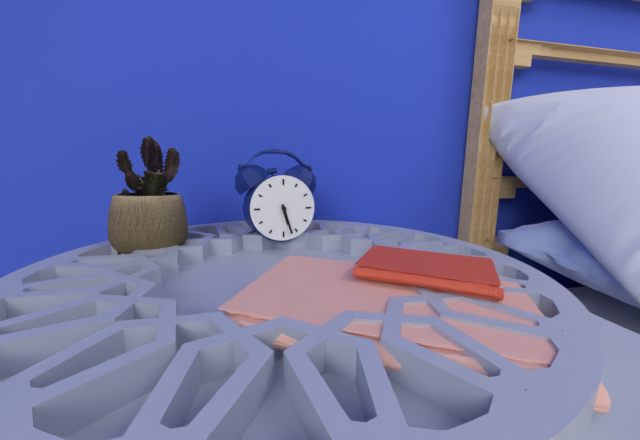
5,27
